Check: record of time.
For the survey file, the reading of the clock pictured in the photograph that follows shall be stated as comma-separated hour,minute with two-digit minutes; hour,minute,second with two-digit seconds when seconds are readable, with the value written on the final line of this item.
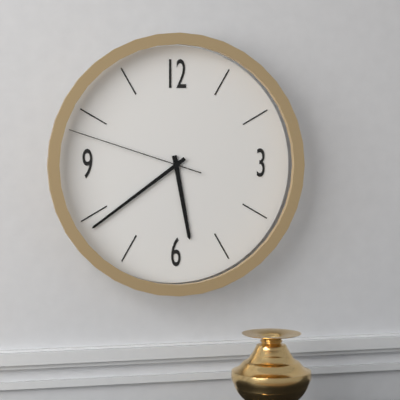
5,39,48
